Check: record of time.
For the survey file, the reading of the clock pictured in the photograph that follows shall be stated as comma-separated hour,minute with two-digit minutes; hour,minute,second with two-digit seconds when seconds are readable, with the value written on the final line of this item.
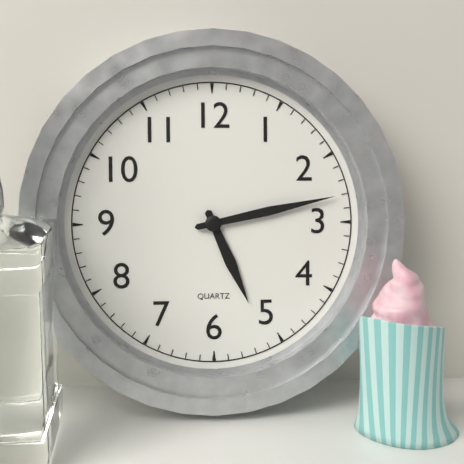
5,13
